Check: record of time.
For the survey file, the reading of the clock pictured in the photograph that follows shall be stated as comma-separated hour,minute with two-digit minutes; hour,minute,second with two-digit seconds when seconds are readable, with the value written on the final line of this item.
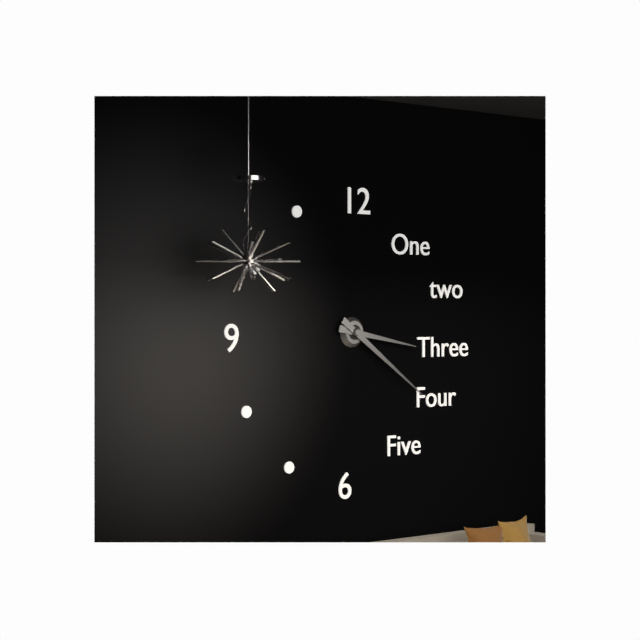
3,21
